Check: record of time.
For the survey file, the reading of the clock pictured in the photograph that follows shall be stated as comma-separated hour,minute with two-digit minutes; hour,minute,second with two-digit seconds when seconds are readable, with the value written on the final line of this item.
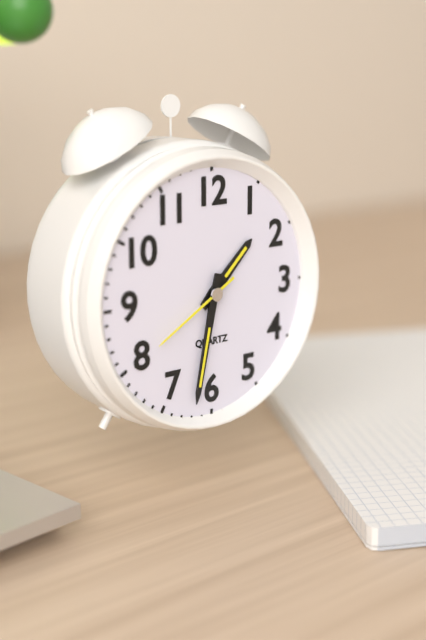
1,32,40
